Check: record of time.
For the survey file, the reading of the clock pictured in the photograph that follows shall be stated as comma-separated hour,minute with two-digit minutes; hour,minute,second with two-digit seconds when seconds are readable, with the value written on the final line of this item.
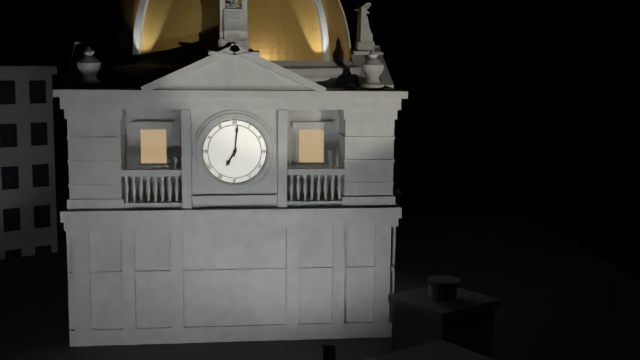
7,01
